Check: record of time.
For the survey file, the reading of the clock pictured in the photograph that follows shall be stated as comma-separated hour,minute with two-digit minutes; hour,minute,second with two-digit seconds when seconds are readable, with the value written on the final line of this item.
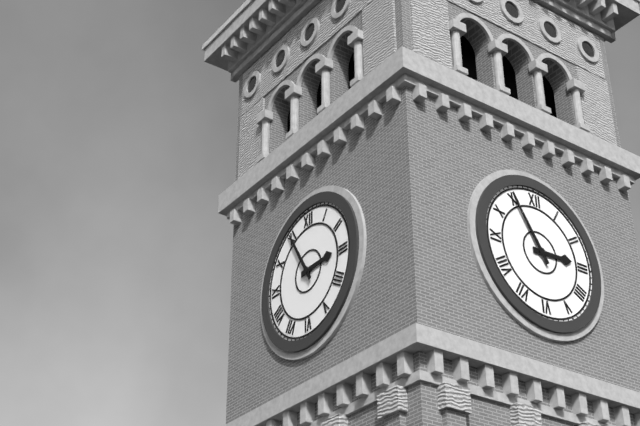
2,55
